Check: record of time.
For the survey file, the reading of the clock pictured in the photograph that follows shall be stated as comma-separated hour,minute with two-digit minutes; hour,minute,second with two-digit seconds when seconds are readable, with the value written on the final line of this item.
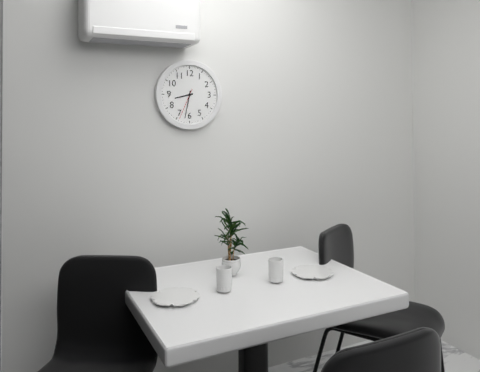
8,32
